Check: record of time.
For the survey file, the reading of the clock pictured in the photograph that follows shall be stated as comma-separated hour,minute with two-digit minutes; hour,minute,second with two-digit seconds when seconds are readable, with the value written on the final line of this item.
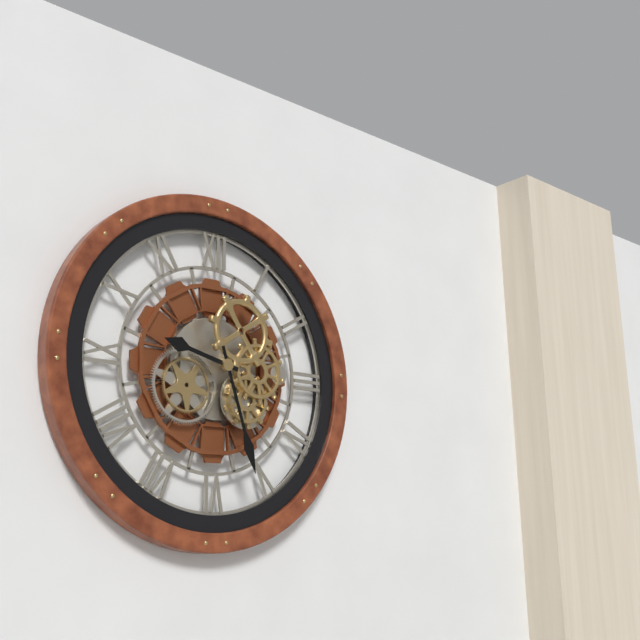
9,27
